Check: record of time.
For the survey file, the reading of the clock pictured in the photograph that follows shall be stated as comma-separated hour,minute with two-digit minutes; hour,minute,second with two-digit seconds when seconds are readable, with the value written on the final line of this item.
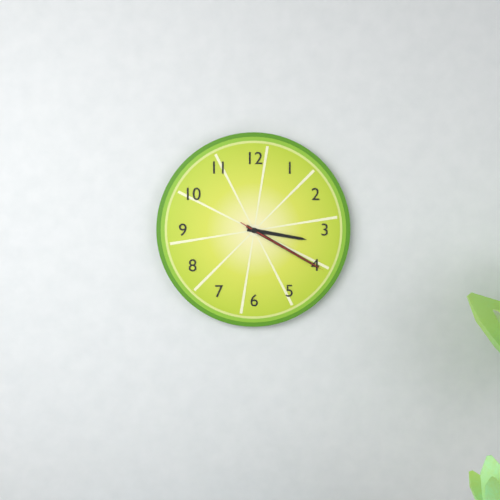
3,20,20
